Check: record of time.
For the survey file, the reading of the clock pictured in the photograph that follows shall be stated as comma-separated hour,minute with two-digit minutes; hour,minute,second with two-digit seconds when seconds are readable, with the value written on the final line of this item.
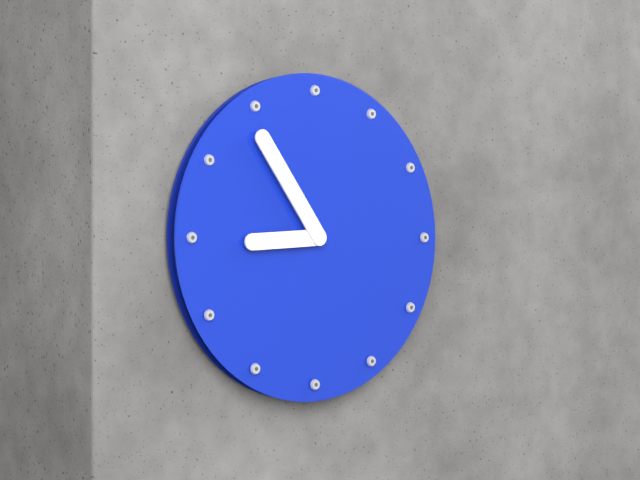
8,54
